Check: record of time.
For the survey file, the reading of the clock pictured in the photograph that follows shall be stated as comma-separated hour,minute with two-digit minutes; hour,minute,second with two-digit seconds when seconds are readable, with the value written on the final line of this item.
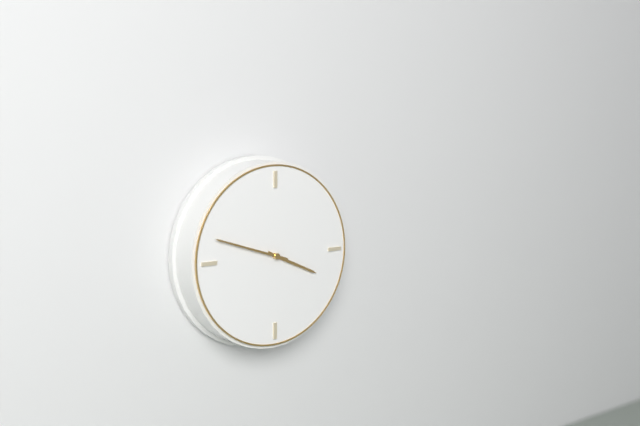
3,48
